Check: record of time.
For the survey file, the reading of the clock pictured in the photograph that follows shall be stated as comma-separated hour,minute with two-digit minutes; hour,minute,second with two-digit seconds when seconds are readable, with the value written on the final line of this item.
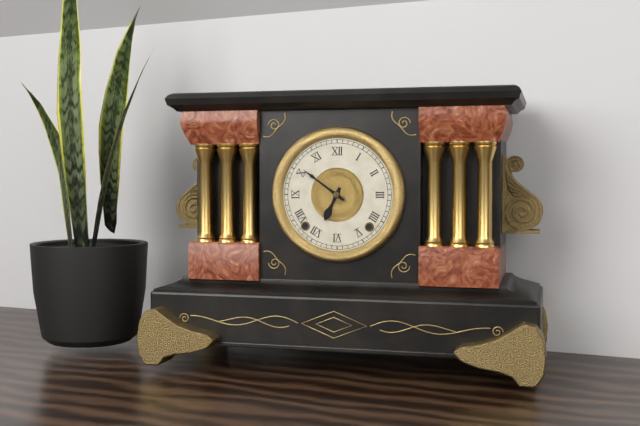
6,51
